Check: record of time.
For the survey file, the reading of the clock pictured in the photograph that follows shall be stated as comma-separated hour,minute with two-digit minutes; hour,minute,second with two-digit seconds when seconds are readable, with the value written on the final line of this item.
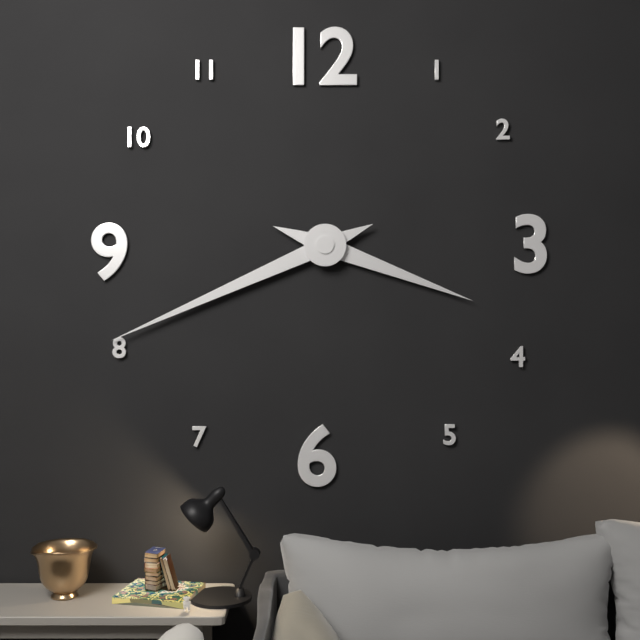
3,41
